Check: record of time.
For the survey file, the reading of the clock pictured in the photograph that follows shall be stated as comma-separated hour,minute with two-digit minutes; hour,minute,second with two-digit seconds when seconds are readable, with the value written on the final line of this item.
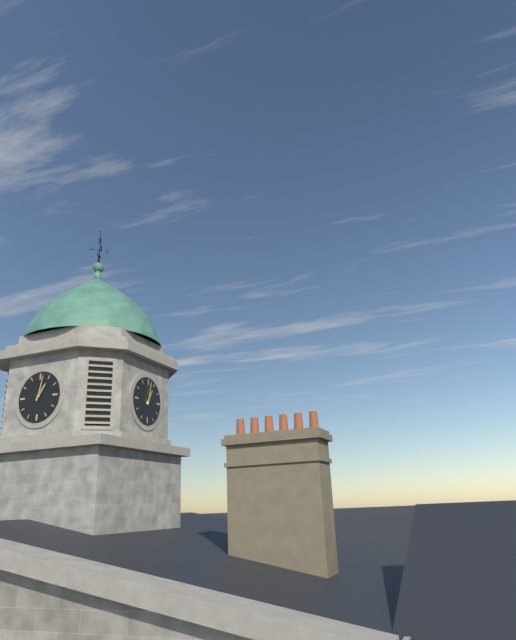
1,02
